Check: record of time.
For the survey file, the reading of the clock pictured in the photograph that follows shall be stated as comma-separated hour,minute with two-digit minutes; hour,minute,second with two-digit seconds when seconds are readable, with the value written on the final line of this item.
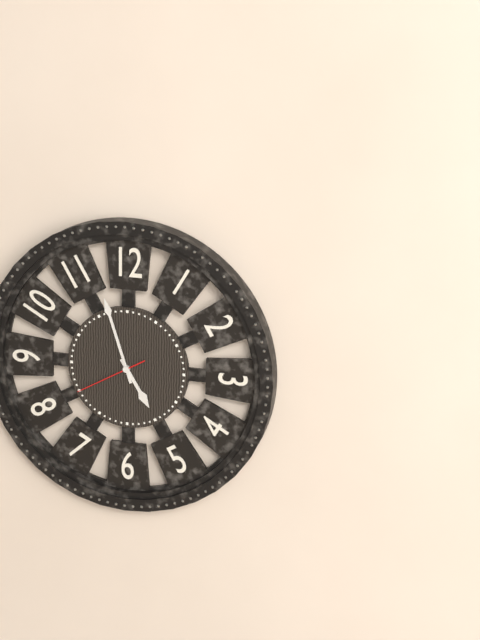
4,57,40
